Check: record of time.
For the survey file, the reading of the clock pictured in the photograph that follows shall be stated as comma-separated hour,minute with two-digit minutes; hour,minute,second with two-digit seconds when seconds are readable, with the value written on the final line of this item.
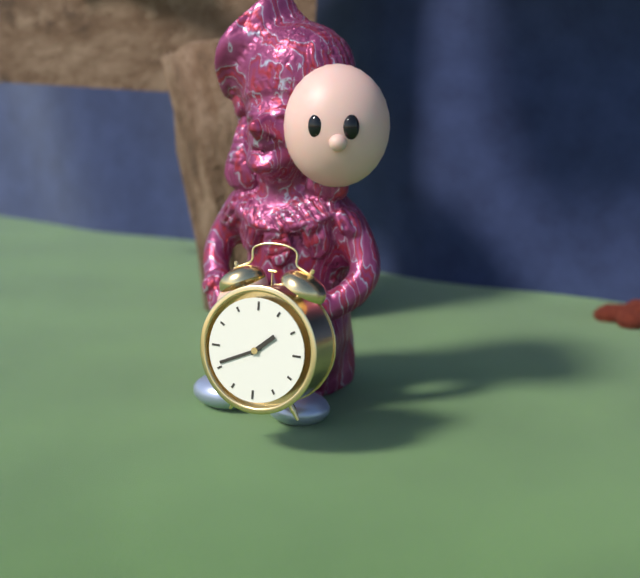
1,41
